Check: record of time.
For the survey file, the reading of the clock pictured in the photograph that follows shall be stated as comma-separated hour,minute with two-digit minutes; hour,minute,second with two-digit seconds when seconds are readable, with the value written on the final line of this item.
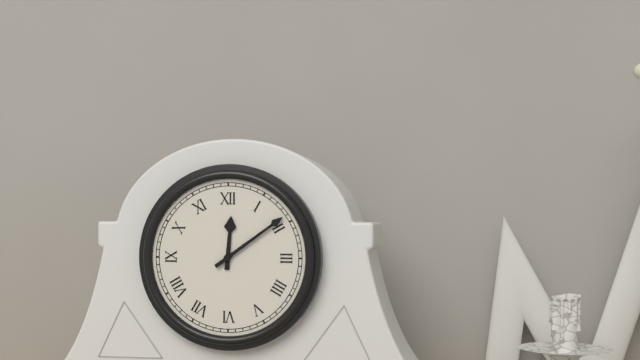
12,09
